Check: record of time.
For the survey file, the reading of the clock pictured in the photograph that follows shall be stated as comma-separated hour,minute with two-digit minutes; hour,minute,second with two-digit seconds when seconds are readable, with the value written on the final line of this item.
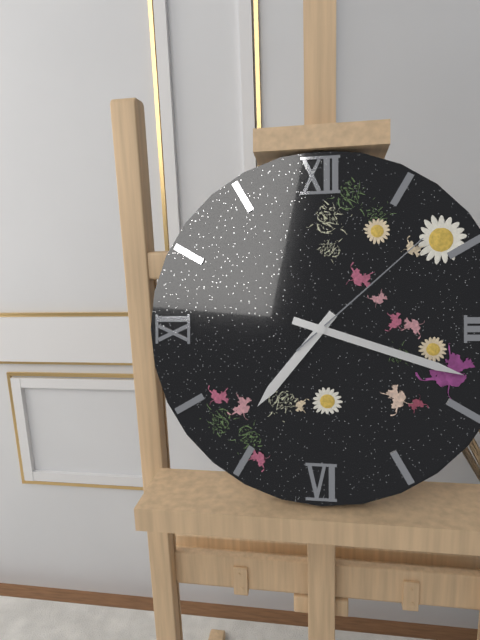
7,18,08
